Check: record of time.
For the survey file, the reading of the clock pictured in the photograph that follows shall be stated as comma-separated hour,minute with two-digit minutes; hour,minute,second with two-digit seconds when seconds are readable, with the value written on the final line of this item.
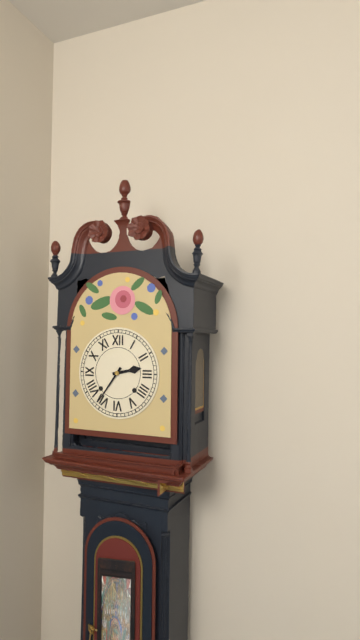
2,36
